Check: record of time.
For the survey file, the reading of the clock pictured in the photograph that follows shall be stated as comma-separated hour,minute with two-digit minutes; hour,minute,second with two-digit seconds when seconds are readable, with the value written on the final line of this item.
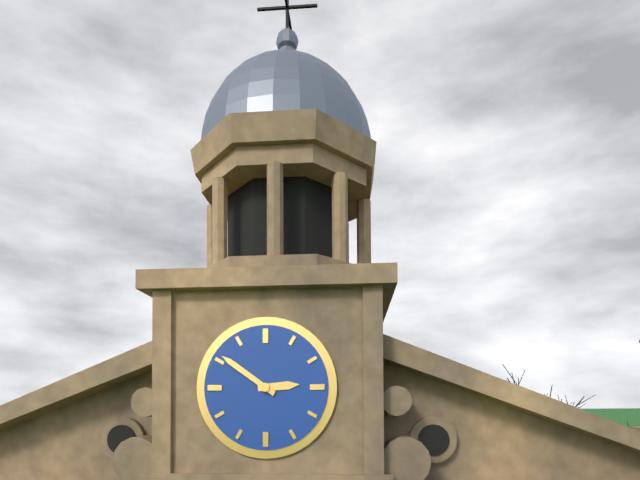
2,51
